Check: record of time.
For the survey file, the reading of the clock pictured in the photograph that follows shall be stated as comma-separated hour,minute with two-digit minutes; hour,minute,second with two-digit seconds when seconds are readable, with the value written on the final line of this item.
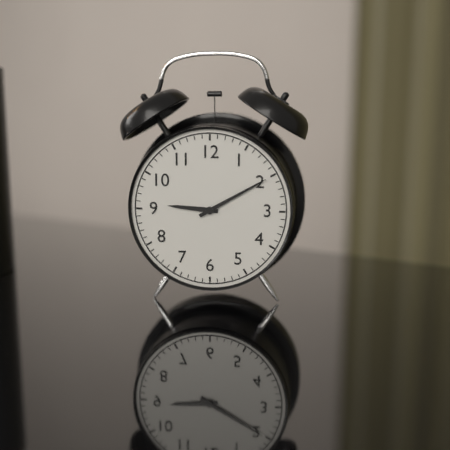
9,10
